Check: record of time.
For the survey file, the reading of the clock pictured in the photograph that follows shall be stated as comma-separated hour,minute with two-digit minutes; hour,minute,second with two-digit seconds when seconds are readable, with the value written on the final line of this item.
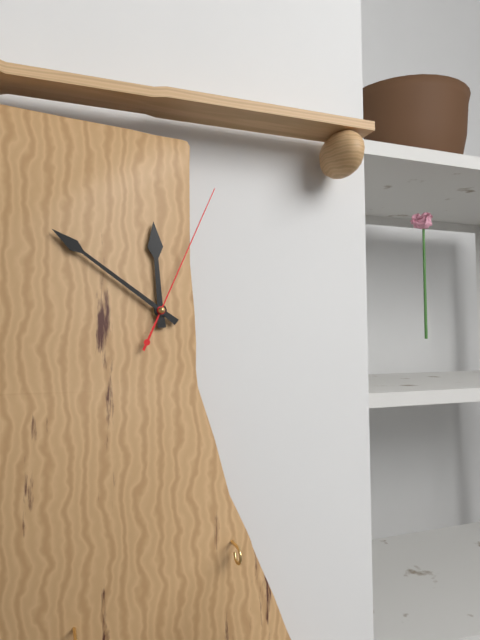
11,51,04
